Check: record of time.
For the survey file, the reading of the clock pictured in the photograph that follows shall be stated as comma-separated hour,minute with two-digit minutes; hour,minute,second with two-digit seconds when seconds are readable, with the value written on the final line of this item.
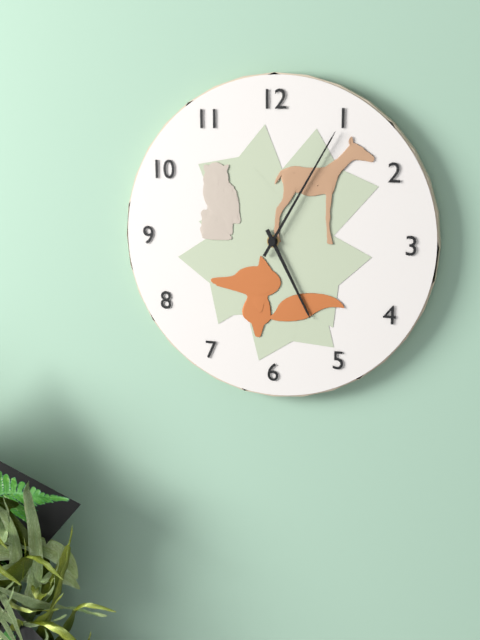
5,05
